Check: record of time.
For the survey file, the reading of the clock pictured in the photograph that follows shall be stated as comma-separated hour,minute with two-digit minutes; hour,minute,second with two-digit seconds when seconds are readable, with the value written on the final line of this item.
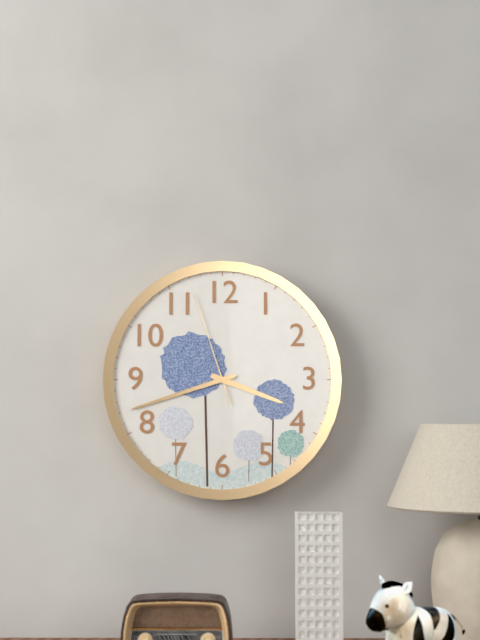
3,42,57
